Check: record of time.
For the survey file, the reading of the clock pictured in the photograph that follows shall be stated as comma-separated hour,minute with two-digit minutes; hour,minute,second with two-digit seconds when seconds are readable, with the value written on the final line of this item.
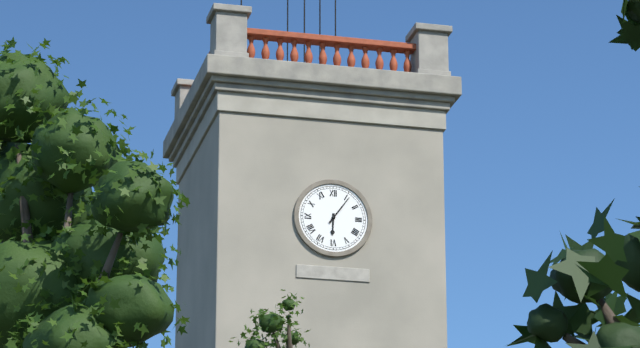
6,06
